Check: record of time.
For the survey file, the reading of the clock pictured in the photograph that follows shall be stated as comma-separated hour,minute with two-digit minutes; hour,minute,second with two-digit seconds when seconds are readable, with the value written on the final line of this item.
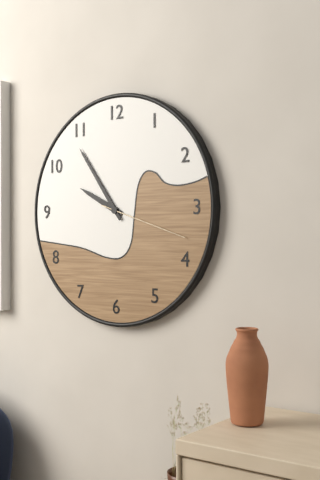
9,54,18
